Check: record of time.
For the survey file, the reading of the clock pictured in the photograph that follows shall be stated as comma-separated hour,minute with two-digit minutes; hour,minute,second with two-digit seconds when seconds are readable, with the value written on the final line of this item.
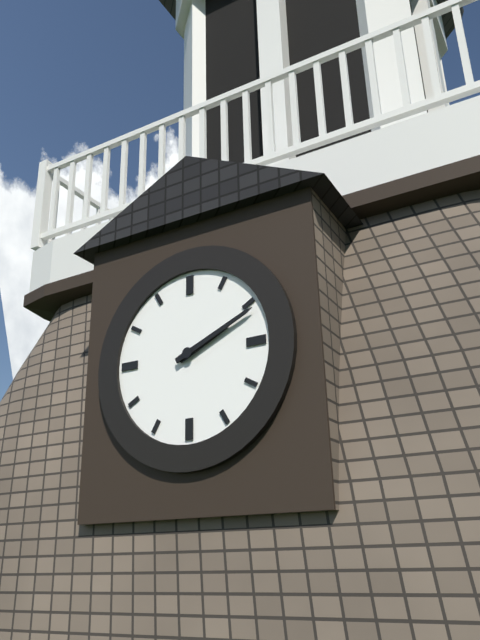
2,11
